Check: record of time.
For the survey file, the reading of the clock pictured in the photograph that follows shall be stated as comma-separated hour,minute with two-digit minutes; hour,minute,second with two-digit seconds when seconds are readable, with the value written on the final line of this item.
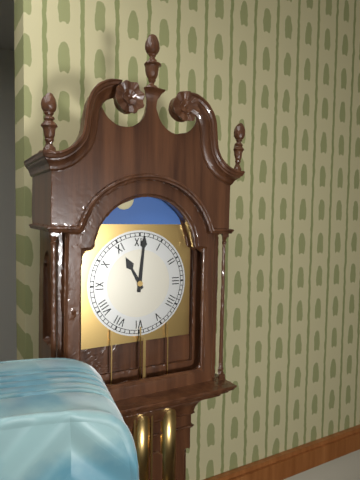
11,01
